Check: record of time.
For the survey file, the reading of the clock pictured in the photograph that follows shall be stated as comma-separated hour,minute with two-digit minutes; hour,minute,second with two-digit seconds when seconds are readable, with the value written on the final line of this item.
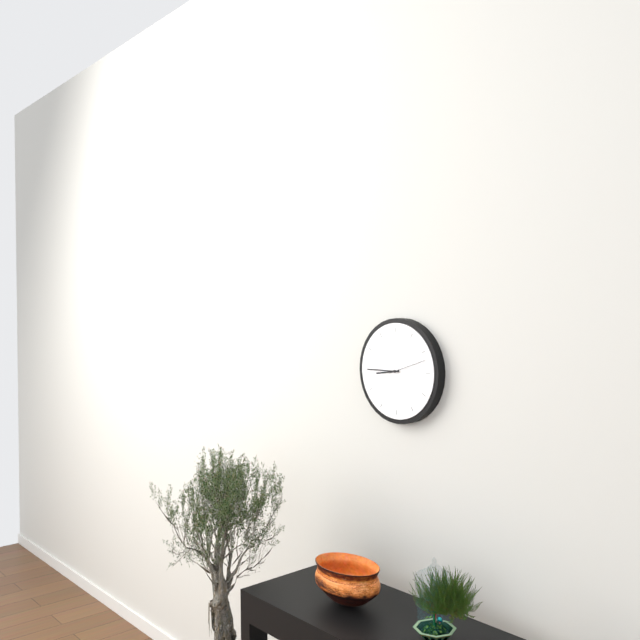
8,45
